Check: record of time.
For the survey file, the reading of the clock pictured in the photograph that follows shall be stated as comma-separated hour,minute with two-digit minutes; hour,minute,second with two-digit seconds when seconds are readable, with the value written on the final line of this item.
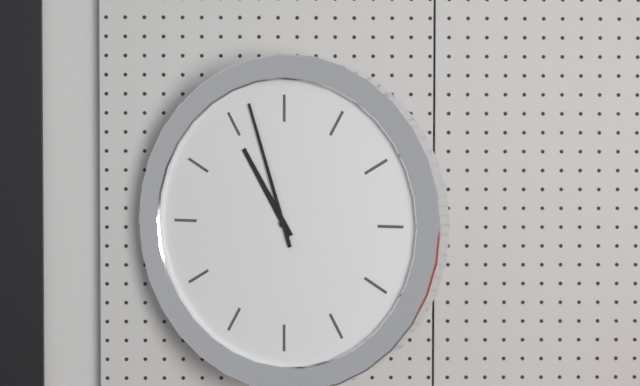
10,57
